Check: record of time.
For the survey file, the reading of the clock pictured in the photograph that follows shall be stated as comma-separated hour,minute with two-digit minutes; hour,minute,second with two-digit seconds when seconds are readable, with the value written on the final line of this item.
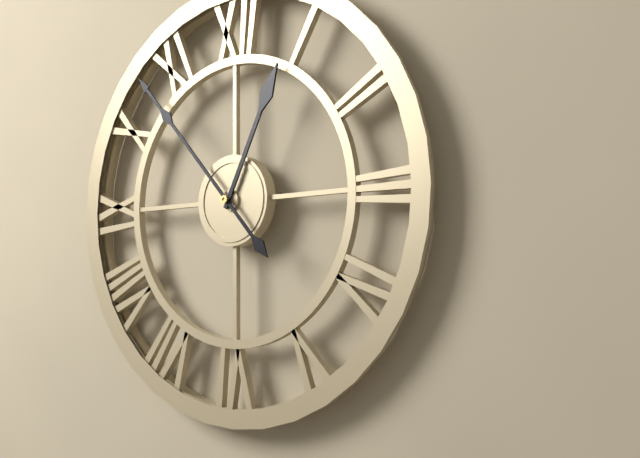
12,53
